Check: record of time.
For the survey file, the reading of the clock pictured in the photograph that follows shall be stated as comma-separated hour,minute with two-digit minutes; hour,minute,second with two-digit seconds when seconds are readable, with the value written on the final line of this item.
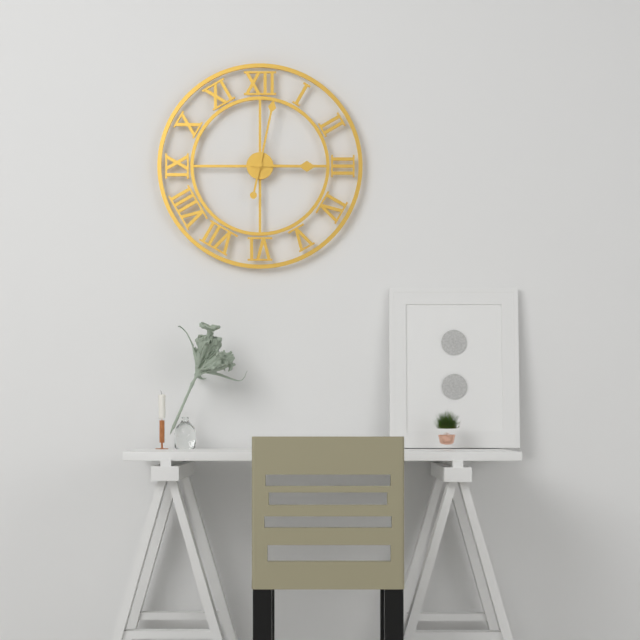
3,02
